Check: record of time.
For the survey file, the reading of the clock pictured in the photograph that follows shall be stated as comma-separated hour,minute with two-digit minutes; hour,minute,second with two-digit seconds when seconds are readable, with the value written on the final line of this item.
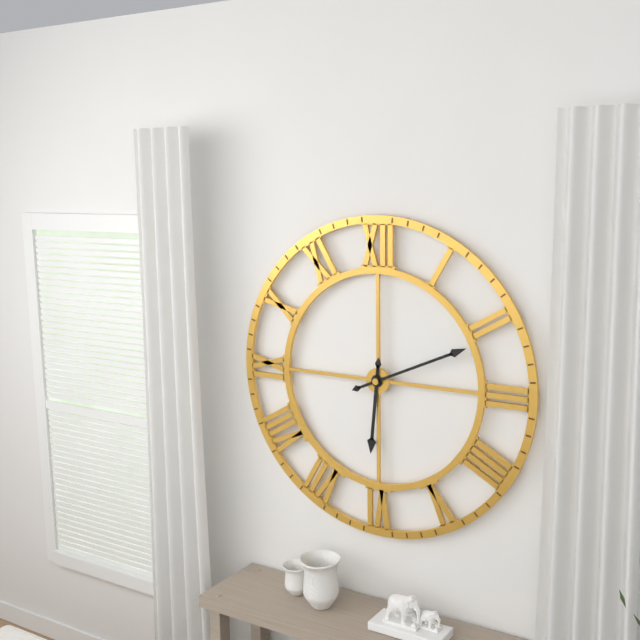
6,11
